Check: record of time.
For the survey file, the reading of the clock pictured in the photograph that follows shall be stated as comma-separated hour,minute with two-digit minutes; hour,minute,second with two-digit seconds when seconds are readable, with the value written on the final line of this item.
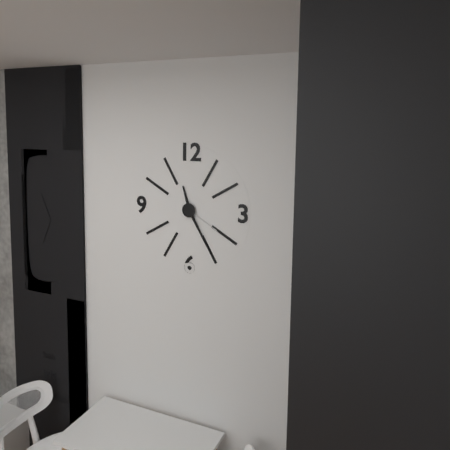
11,25
